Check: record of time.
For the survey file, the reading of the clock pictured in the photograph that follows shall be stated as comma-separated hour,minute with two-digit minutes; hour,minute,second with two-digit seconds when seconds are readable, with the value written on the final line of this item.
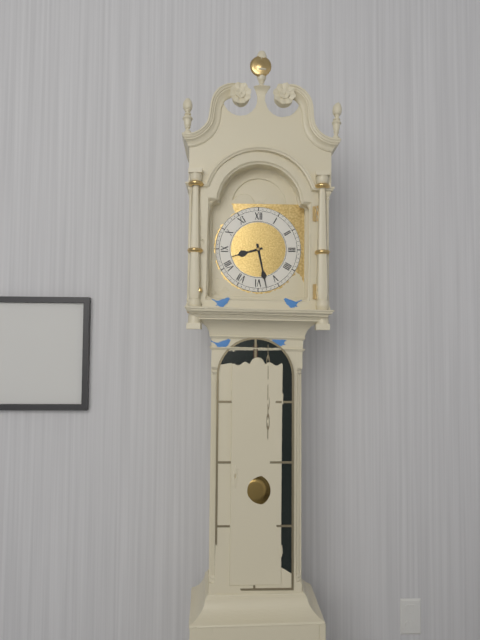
8,28
